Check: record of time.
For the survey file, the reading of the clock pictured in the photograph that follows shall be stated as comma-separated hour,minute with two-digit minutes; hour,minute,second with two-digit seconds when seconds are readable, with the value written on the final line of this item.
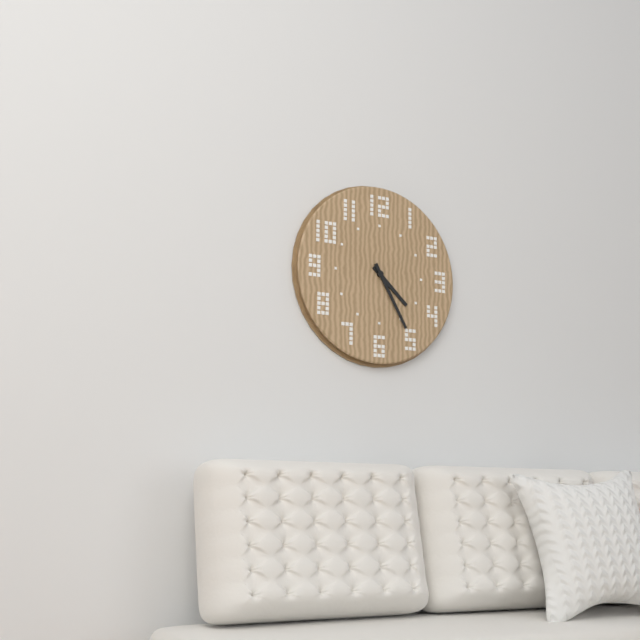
4,25
